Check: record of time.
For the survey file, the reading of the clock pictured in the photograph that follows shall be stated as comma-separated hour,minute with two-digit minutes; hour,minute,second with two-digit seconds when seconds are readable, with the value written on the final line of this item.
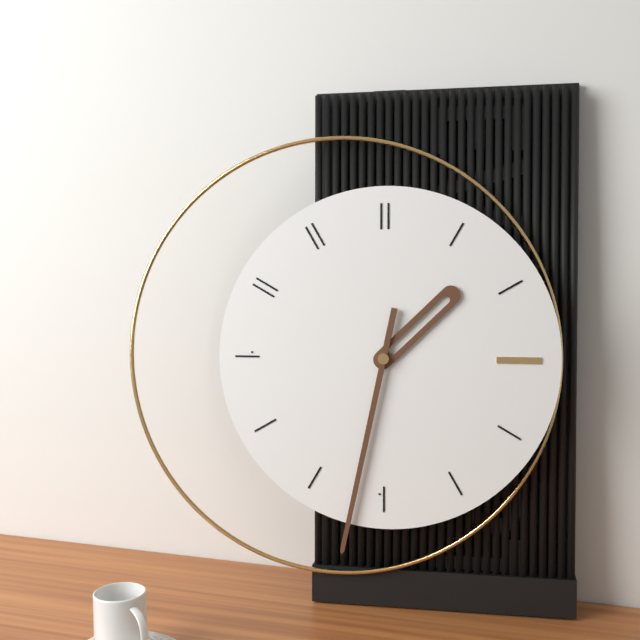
1,32
